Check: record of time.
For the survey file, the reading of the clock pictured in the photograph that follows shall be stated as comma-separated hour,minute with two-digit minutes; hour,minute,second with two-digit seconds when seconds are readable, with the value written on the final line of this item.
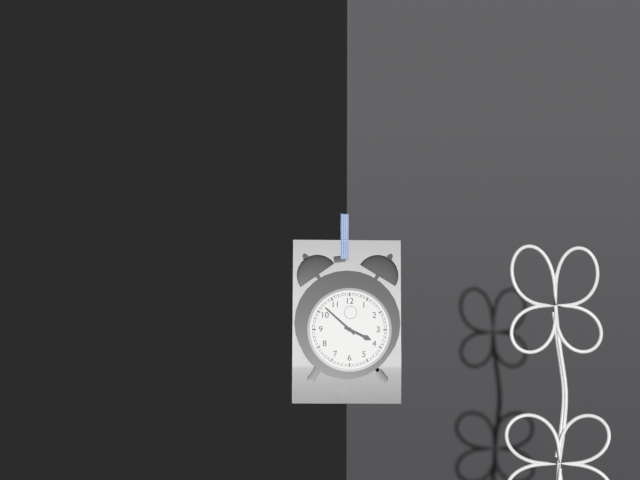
3,52
